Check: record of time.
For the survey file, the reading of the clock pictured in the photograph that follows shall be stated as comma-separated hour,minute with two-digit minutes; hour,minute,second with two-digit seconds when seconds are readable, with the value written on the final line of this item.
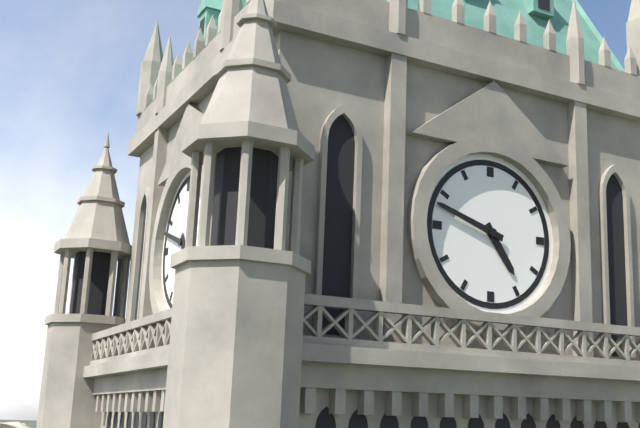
4,48
